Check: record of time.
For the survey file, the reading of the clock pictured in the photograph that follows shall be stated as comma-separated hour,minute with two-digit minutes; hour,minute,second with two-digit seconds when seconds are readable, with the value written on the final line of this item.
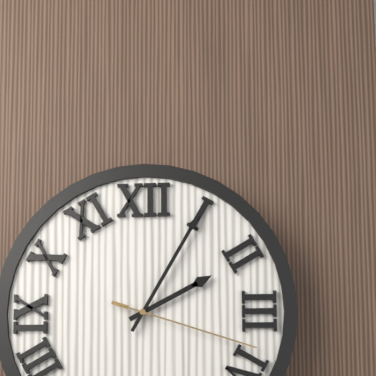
2,05,18
